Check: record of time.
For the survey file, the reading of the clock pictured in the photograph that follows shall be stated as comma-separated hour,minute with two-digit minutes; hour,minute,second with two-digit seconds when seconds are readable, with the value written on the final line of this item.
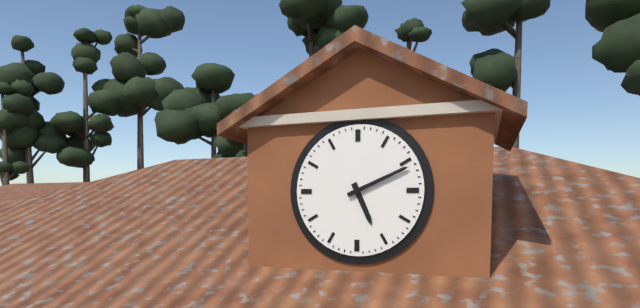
5,11
